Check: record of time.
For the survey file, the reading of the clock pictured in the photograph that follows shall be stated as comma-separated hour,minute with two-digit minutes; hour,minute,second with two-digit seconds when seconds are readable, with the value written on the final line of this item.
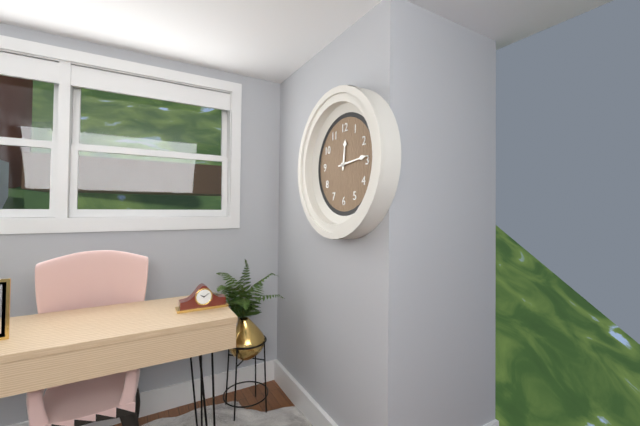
12,14
